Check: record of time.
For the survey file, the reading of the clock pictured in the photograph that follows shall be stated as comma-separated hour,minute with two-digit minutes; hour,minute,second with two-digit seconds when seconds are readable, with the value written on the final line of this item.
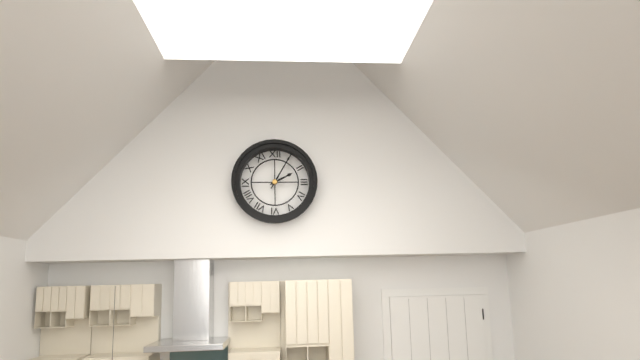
2,05
